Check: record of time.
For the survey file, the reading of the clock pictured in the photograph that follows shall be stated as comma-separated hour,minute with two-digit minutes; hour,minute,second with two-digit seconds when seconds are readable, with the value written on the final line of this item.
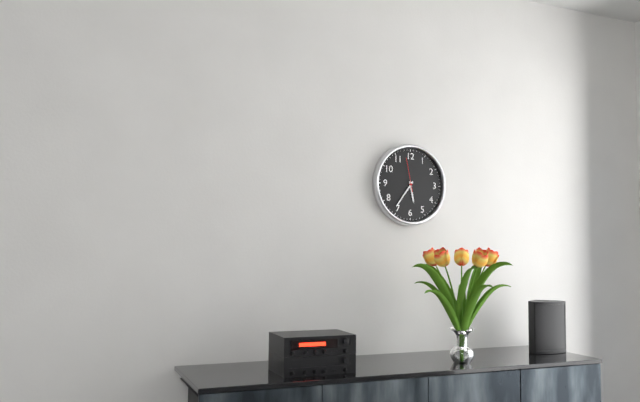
5,36
